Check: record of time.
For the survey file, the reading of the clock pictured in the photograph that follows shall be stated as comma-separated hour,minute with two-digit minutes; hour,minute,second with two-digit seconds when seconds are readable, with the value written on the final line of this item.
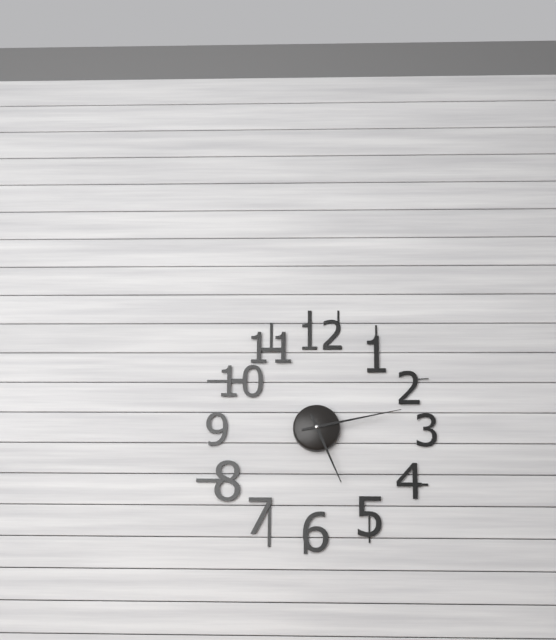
5,13
